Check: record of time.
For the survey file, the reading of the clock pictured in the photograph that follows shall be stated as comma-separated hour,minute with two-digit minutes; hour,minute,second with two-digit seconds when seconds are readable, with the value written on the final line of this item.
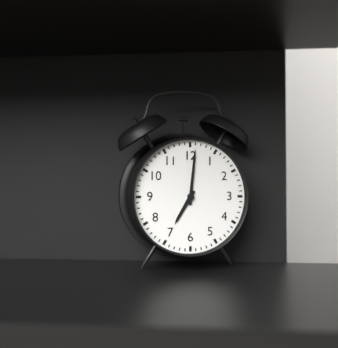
7,01
